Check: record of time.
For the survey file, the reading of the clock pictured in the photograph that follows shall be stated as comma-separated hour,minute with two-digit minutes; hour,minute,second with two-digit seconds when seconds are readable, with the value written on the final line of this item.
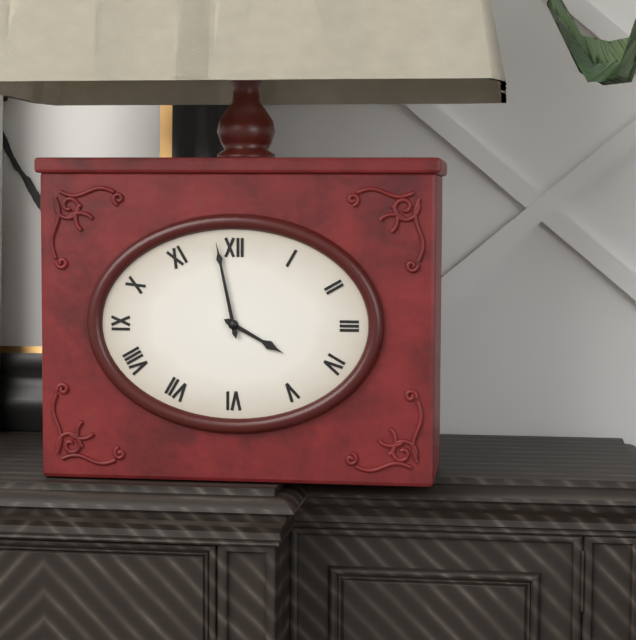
3,58
